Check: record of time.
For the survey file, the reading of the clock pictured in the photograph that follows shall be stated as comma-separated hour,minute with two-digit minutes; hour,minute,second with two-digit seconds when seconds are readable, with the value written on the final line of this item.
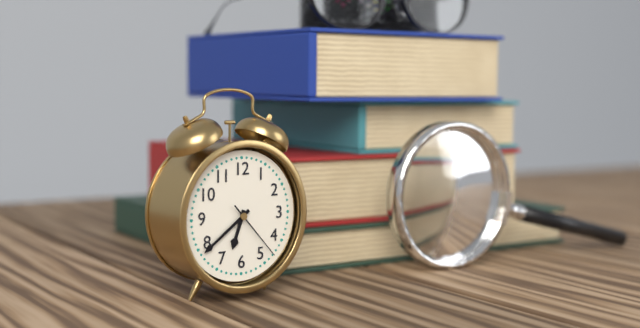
6,39,23
